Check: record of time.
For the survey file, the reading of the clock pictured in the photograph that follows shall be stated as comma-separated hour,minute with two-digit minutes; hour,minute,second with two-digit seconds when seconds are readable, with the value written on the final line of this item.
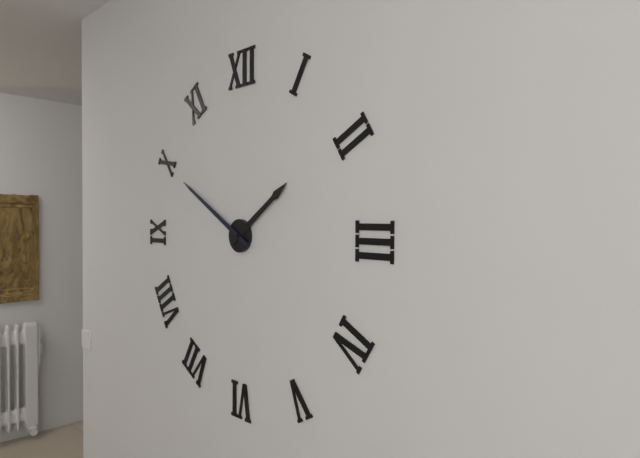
1,50
